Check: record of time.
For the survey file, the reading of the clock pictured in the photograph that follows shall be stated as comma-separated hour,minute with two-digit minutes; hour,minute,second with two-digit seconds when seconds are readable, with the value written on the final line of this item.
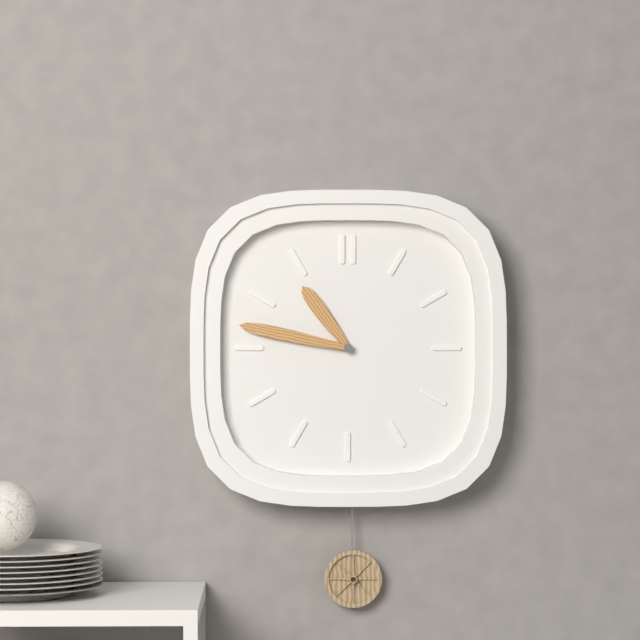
10,47
